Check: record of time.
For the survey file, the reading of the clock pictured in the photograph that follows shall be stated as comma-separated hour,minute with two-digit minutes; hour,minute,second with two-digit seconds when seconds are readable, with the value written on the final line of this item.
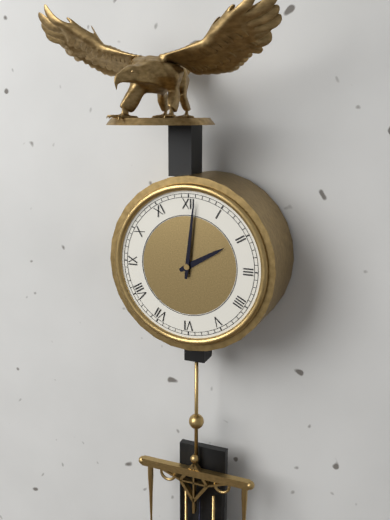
2,01
